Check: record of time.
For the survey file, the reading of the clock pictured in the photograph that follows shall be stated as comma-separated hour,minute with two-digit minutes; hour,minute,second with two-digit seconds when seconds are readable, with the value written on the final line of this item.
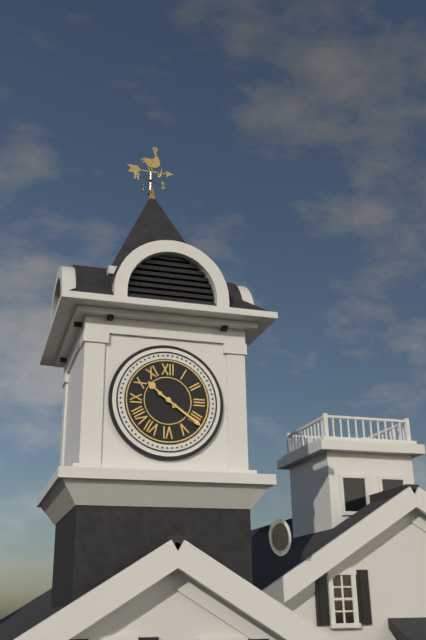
10,21
